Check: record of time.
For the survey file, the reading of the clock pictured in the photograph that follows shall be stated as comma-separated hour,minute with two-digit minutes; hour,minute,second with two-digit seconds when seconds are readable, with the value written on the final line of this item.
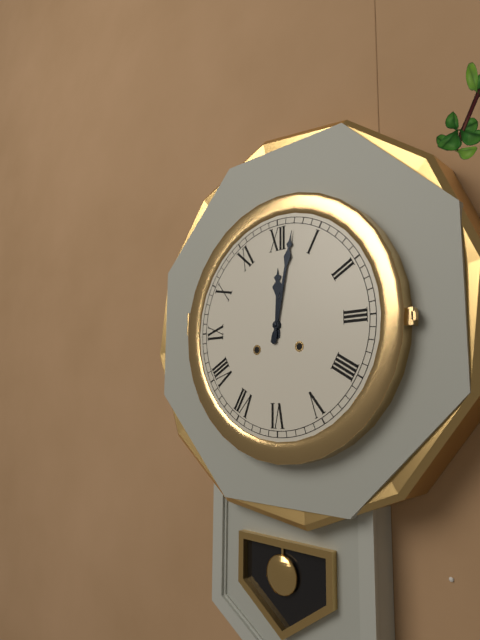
12,02
